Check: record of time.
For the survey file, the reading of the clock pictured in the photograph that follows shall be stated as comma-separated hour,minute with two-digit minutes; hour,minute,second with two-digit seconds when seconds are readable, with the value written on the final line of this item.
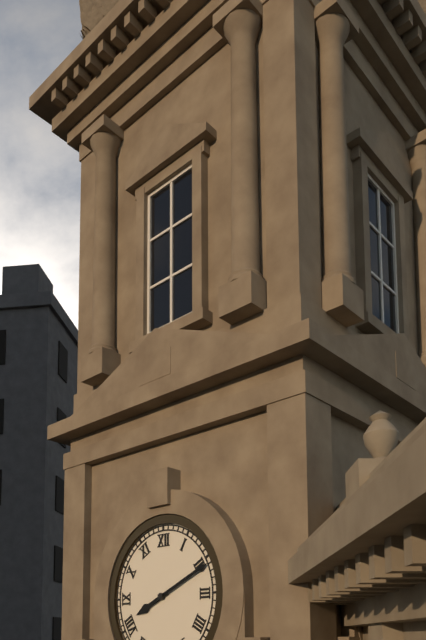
8,11
